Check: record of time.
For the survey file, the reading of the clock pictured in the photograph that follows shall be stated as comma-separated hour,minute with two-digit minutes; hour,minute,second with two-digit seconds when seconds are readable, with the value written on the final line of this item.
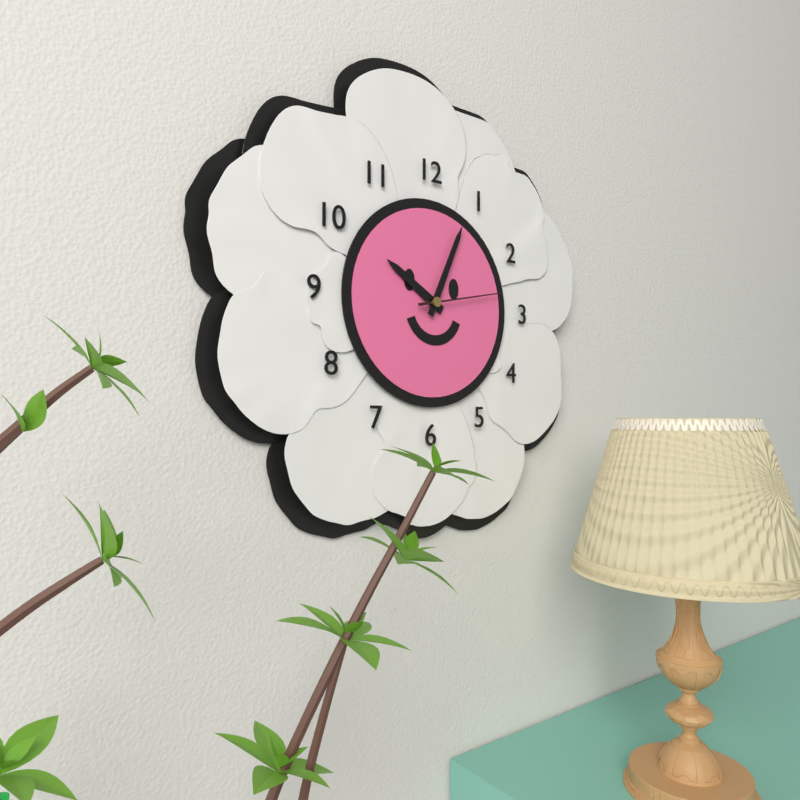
10,04,13
